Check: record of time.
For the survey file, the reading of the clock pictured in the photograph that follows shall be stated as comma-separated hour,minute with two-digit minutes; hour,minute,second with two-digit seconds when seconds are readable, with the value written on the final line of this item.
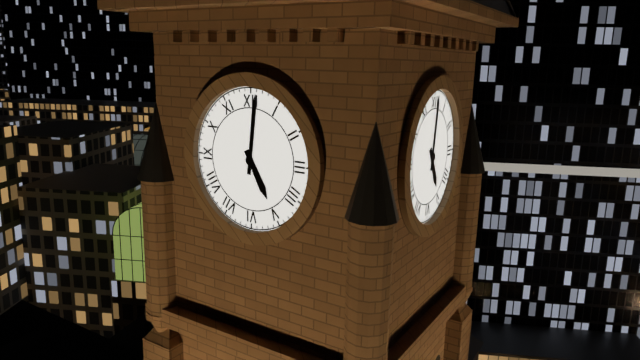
5,01
